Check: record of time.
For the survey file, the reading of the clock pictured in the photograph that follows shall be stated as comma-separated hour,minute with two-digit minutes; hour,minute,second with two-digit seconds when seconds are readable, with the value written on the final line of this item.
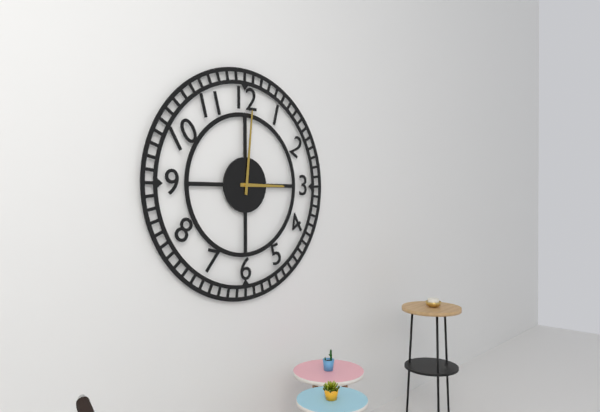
3,01
